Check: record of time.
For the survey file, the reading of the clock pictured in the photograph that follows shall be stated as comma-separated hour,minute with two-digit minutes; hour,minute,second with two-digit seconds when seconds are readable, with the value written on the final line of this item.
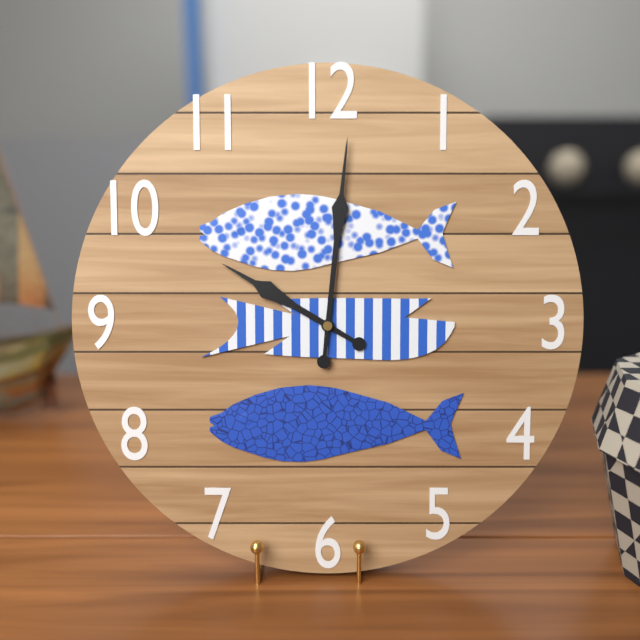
10,01
